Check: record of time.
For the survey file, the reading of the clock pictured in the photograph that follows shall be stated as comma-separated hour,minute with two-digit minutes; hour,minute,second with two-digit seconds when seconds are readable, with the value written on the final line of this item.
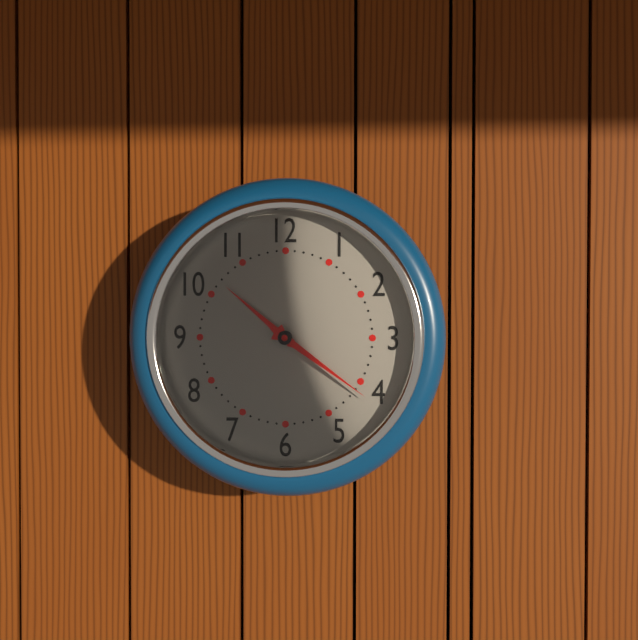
10,21
